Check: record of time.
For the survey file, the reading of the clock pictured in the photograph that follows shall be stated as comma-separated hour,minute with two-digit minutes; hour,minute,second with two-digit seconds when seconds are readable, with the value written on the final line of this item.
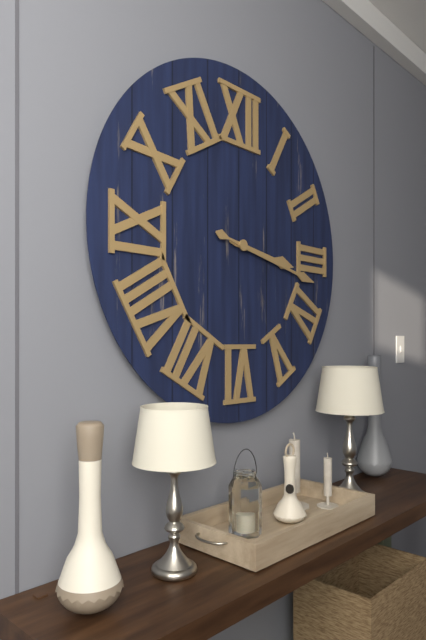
3,17
